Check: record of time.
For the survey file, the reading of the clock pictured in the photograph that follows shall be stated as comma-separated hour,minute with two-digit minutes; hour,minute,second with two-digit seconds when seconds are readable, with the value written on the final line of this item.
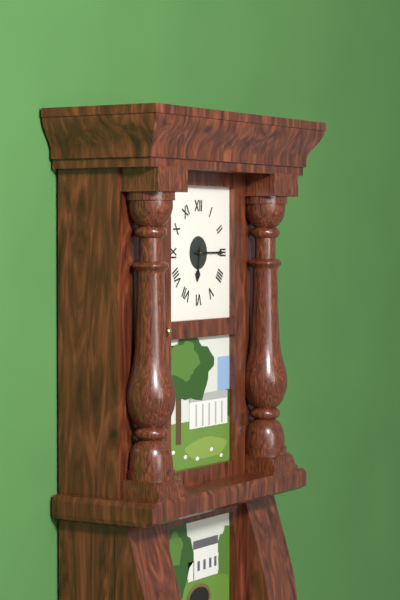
6,15
